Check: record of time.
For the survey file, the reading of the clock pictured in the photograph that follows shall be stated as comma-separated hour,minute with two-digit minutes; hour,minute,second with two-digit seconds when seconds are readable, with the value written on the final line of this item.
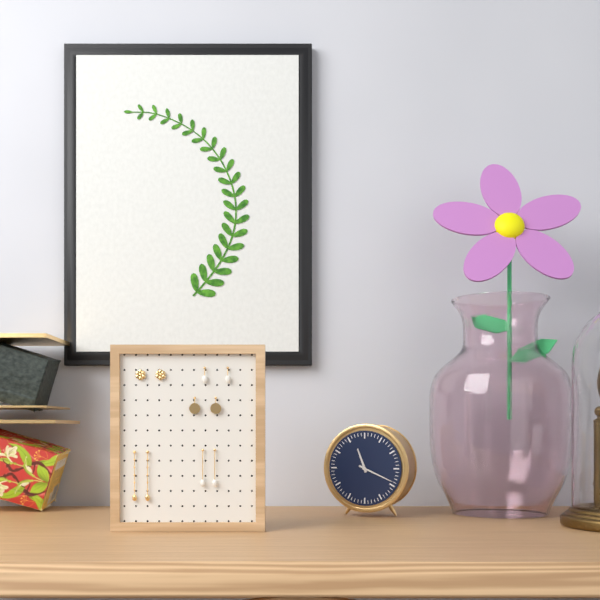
11,19
